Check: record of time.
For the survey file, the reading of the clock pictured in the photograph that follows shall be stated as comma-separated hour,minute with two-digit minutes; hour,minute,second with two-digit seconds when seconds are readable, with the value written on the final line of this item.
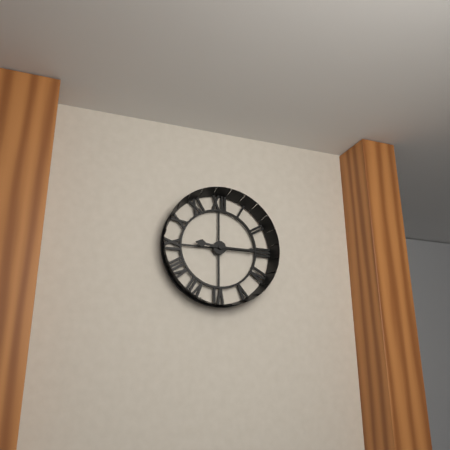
9,15
